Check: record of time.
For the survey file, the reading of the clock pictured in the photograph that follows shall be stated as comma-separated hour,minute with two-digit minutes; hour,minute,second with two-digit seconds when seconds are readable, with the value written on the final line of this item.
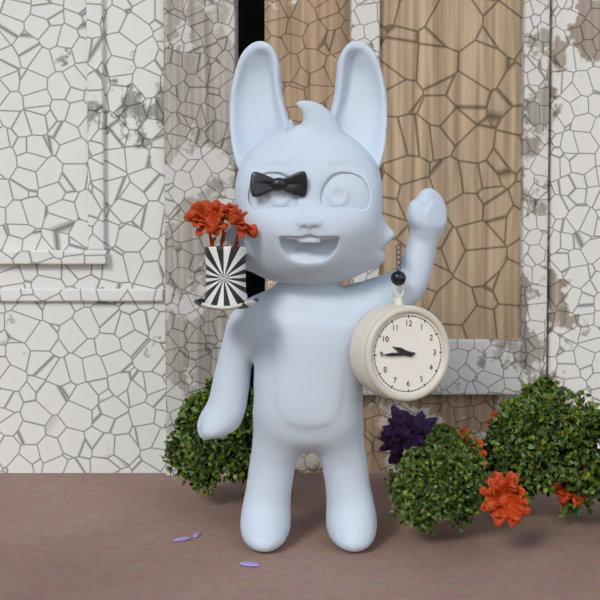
9,45
